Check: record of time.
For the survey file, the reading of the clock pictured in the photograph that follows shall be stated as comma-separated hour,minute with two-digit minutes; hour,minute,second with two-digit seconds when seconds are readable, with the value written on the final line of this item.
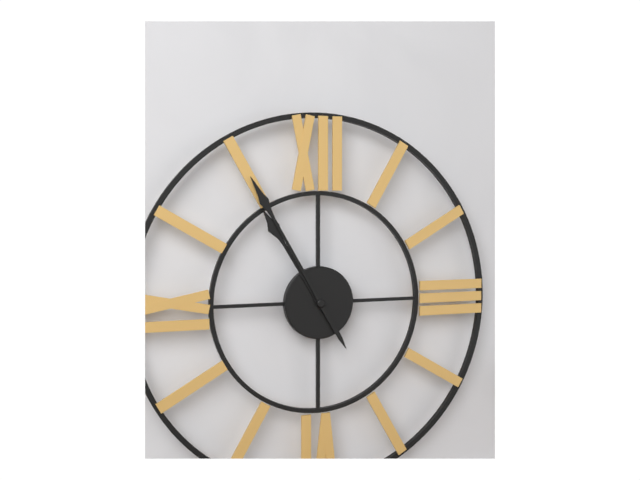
10,55
